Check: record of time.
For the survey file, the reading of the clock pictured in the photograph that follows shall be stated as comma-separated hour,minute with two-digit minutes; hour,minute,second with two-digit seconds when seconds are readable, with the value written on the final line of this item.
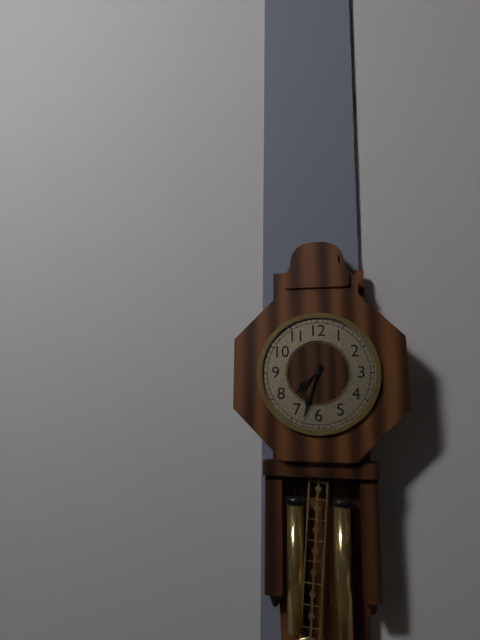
7,33
